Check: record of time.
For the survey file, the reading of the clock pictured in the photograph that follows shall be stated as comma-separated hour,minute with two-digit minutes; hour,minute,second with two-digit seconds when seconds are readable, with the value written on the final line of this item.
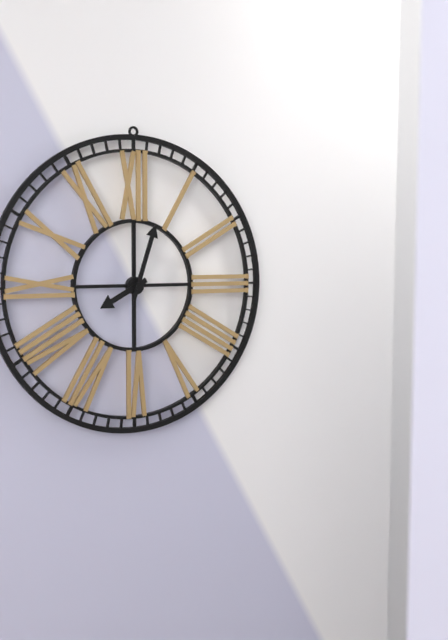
8,03
